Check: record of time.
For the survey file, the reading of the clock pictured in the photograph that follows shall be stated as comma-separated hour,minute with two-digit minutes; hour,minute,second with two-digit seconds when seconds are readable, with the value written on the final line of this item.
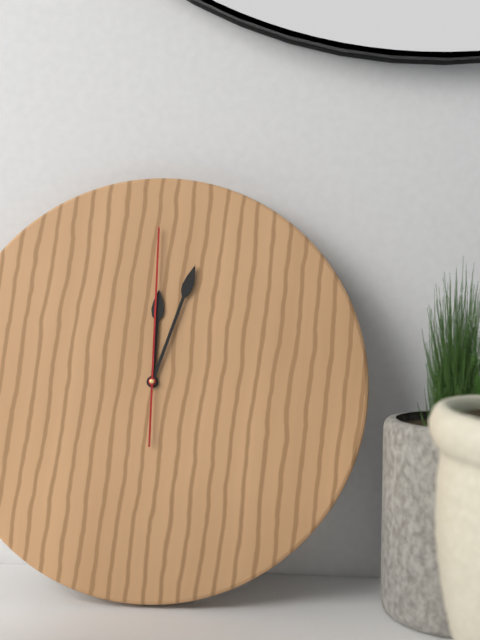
12,03,00
